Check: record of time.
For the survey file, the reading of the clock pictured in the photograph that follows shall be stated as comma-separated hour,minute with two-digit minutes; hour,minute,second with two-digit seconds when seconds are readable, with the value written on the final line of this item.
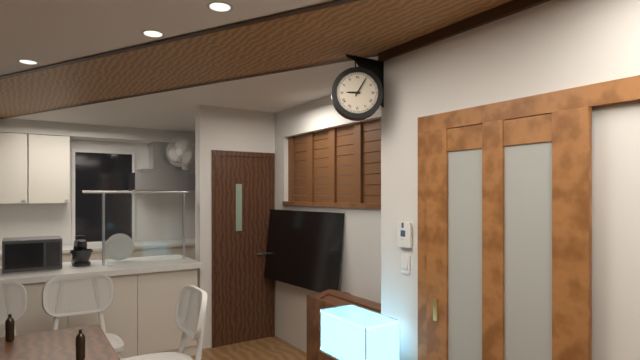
9,05
